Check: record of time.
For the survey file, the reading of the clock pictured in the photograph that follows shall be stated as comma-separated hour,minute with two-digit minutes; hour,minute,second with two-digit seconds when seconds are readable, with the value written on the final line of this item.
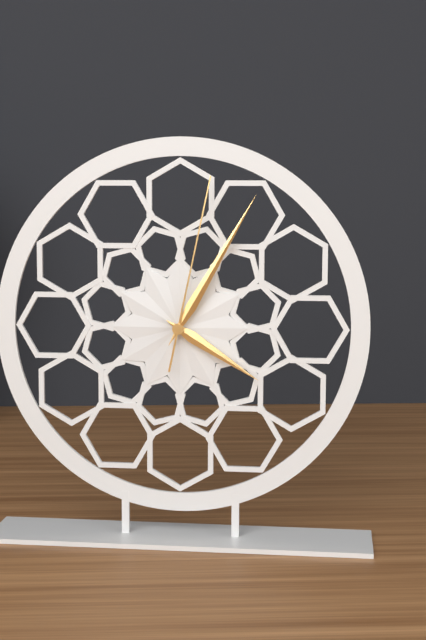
4,05,02
